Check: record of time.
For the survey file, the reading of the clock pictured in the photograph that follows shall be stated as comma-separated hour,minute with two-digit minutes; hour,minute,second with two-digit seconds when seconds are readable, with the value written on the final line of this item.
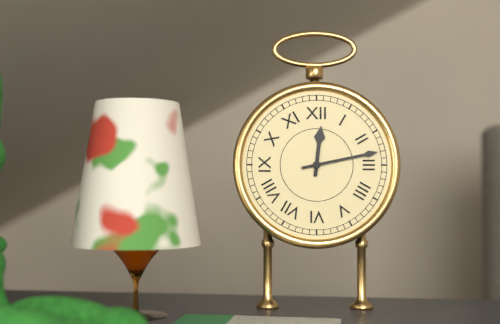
12,13
